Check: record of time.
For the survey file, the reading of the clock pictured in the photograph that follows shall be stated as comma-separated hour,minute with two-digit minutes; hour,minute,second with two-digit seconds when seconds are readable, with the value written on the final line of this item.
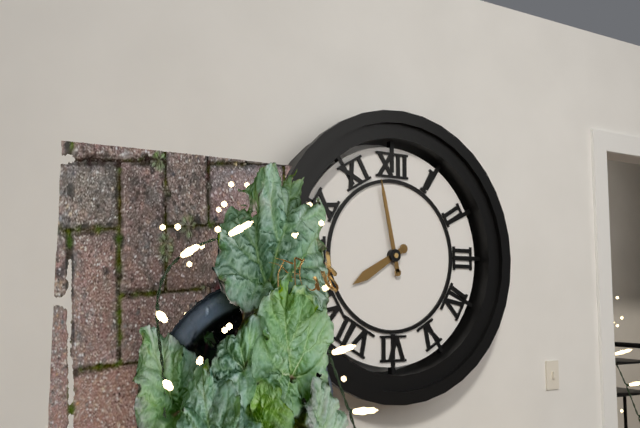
7,58
